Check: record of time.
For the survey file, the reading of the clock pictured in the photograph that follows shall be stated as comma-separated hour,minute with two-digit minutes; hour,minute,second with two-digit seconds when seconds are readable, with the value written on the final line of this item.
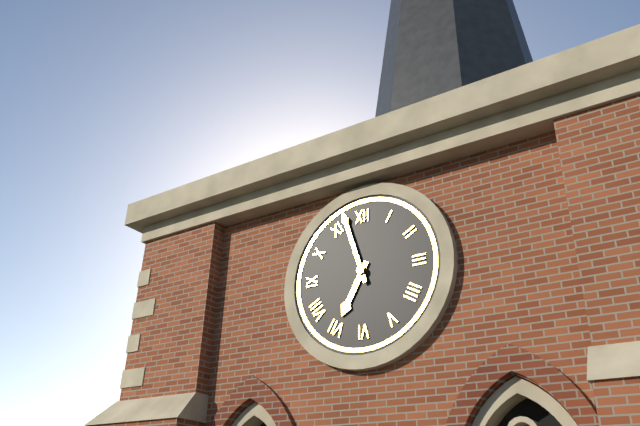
6,57
